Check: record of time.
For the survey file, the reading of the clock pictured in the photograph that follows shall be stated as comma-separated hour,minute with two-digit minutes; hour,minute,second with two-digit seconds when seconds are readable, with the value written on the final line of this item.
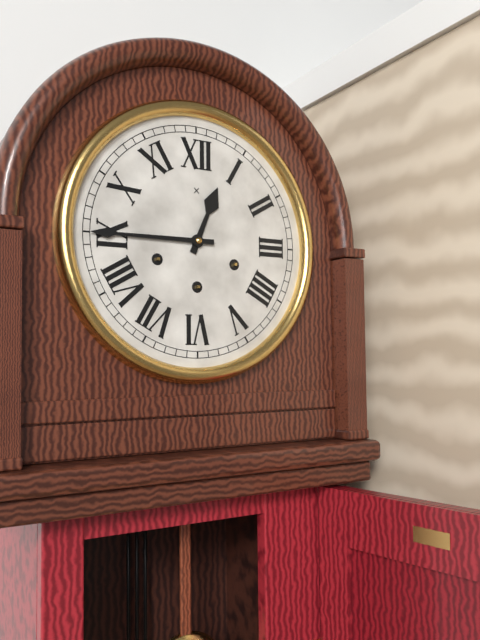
12,45
